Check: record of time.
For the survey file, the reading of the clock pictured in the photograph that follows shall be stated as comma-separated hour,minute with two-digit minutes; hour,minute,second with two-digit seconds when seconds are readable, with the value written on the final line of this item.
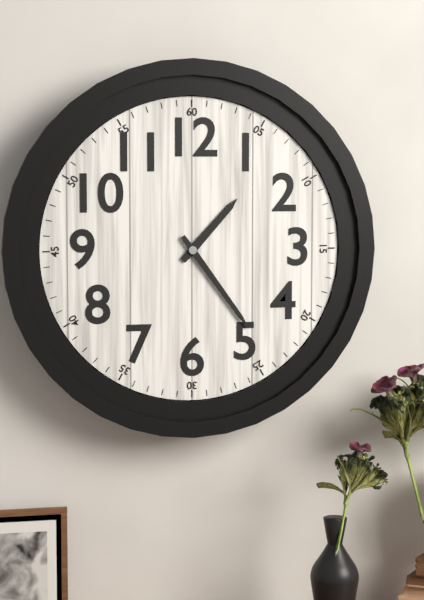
1,24
